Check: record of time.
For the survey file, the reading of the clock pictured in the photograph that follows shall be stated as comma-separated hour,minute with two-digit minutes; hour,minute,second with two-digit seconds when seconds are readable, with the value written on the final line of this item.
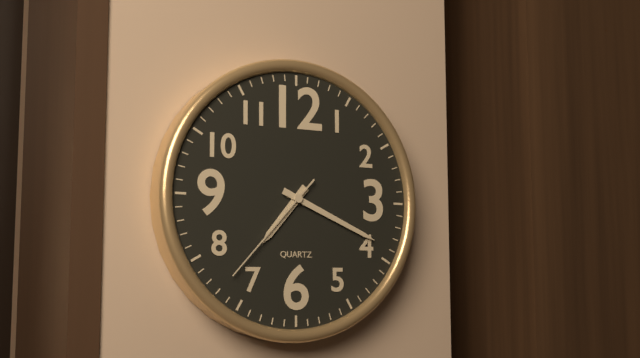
7,19,37
